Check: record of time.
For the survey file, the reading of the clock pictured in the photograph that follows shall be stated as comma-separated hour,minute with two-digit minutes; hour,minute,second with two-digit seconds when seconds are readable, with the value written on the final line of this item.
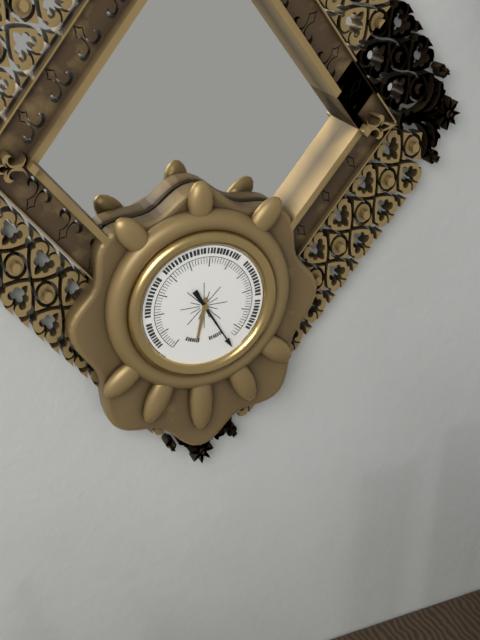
6,25
